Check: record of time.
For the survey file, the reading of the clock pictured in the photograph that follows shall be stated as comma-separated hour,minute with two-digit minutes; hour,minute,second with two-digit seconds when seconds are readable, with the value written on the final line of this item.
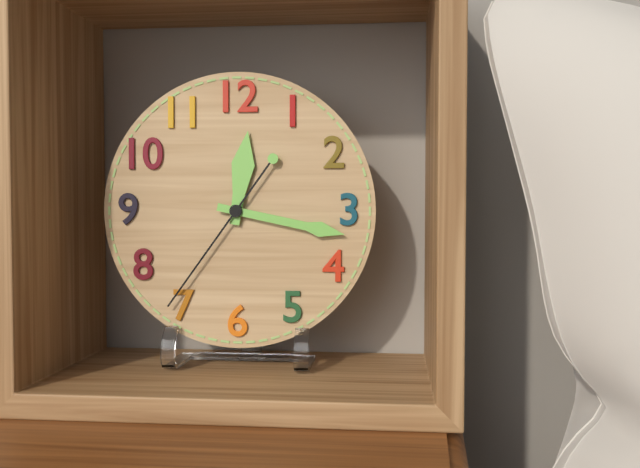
12,17,36
